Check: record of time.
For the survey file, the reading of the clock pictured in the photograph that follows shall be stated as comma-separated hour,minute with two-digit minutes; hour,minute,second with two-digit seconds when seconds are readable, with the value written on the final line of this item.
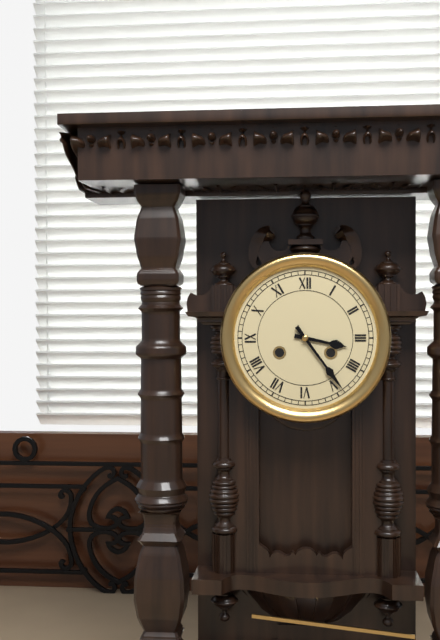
3,24
